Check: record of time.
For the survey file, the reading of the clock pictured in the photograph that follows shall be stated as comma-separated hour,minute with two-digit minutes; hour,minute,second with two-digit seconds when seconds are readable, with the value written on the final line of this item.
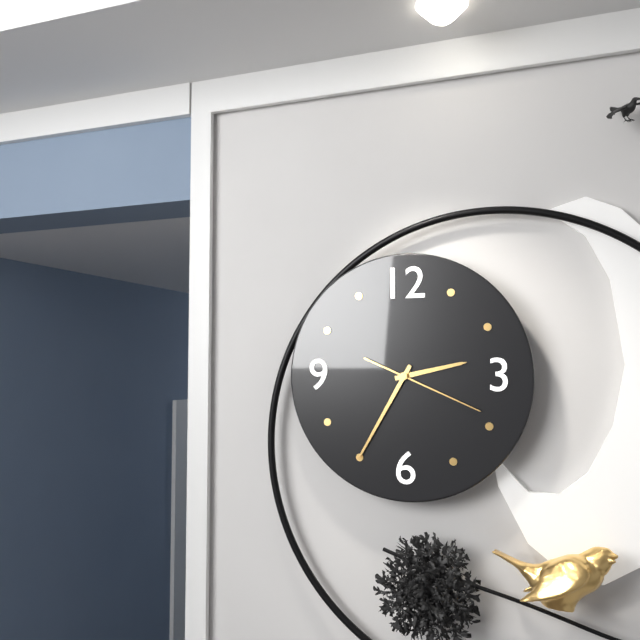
2,35,19
